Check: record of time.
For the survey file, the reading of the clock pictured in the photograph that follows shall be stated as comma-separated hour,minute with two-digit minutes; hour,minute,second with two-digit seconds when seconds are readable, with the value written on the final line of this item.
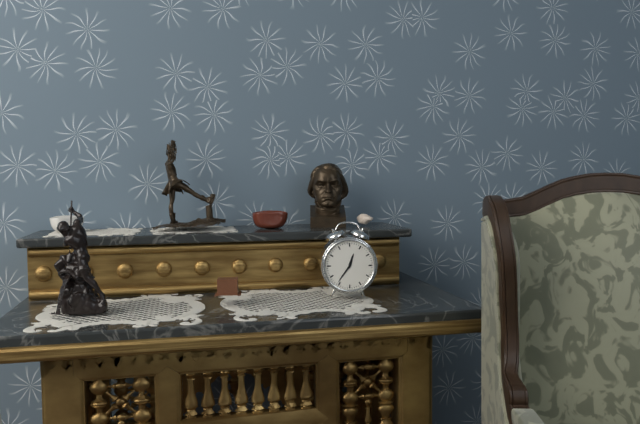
12,36
